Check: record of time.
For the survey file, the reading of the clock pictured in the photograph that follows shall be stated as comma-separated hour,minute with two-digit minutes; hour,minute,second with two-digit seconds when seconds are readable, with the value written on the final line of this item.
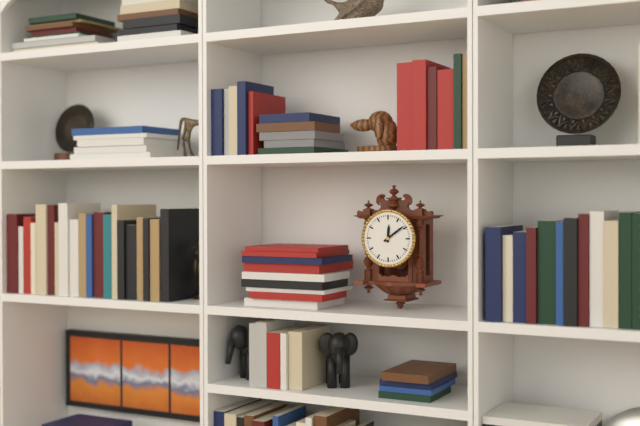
12,09
